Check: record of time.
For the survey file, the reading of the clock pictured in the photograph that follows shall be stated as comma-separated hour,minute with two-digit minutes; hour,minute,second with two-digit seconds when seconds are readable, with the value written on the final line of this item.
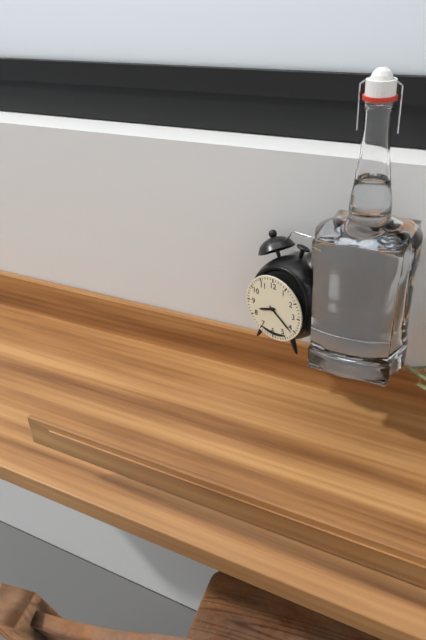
8,21
